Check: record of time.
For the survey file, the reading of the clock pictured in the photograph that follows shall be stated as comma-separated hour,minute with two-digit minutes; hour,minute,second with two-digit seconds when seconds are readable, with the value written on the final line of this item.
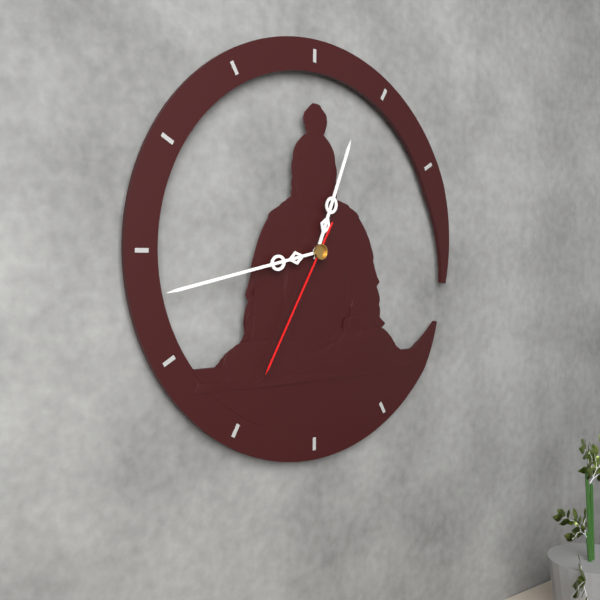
12,43,35
